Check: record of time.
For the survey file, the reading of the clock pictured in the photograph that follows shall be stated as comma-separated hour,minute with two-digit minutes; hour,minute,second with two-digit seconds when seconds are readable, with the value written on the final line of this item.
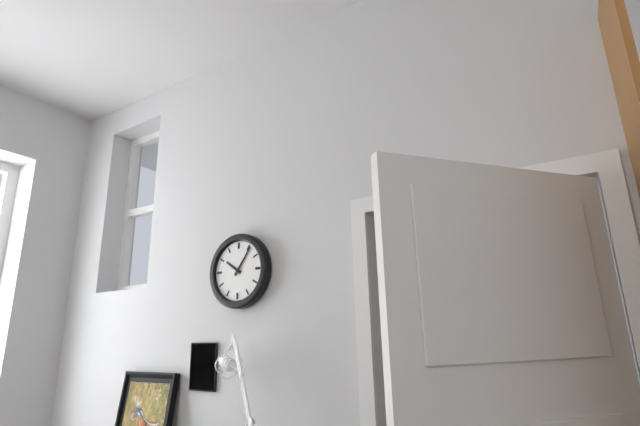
10,06
